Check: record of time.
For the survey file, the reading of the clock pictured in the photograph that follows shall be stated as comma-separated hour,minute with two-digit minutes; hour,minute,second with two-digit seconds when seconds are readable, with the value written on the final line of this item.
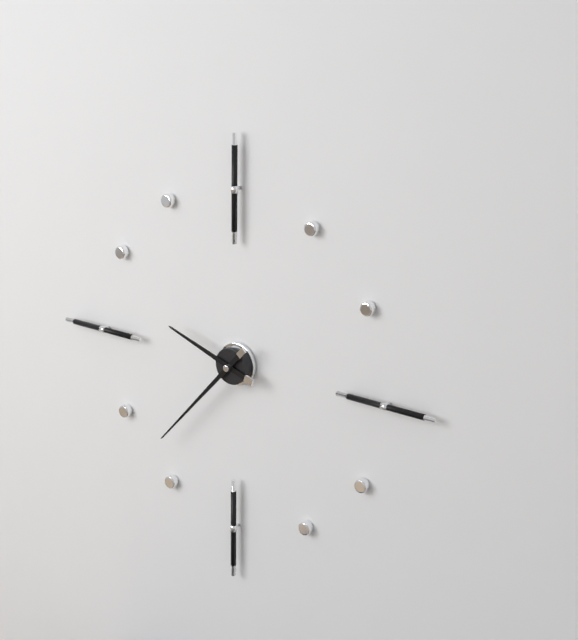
9,37
